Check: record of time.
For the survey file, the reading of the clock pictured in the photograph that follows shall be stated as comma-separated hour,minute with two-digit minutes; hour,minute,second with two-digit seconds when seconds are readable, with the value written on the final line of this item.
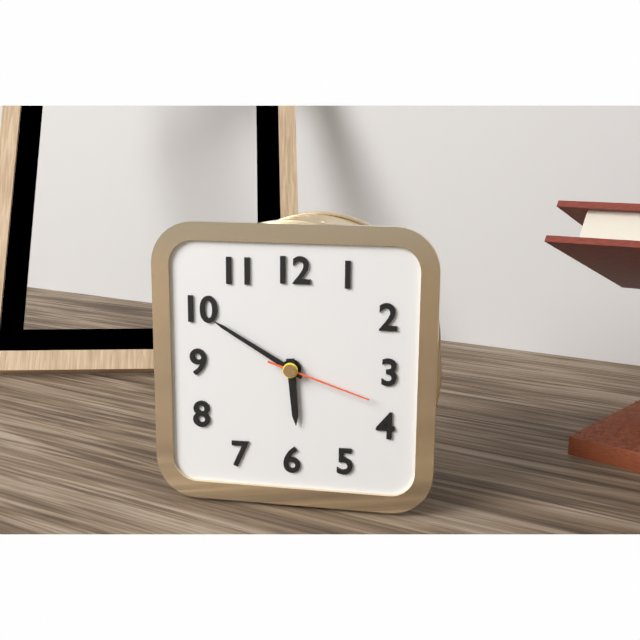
5,50,18
